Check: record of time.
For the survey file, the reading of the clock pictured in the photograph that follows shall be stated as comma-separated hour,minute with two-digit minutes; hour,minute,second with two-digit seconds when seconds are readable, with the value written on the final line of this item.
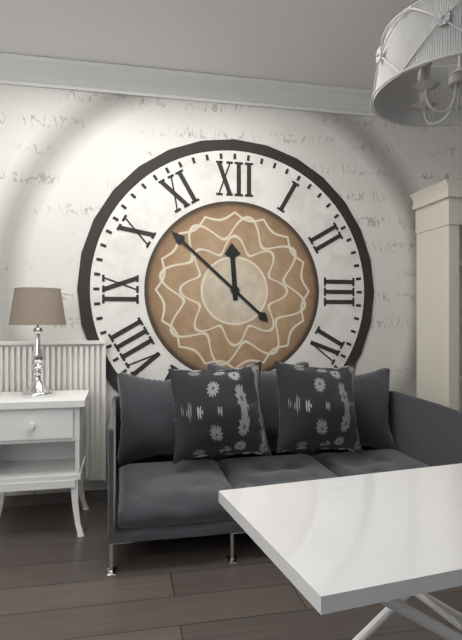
11,52
